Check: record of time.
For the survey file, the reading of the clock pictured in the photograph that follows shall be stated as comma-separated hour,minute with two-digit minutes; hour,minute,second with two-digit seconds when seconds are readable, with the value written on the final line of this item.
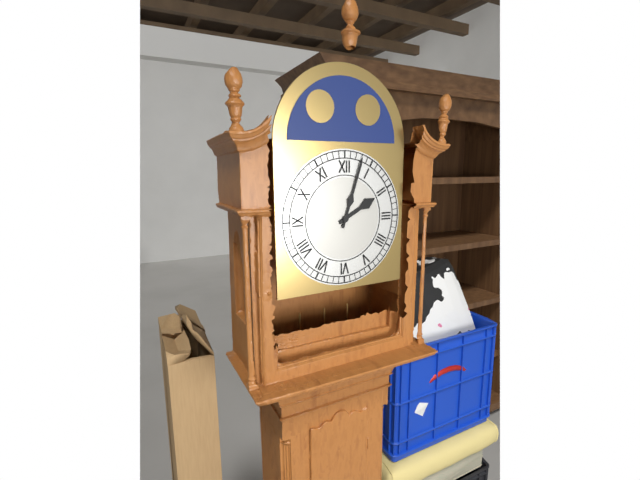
2,03
